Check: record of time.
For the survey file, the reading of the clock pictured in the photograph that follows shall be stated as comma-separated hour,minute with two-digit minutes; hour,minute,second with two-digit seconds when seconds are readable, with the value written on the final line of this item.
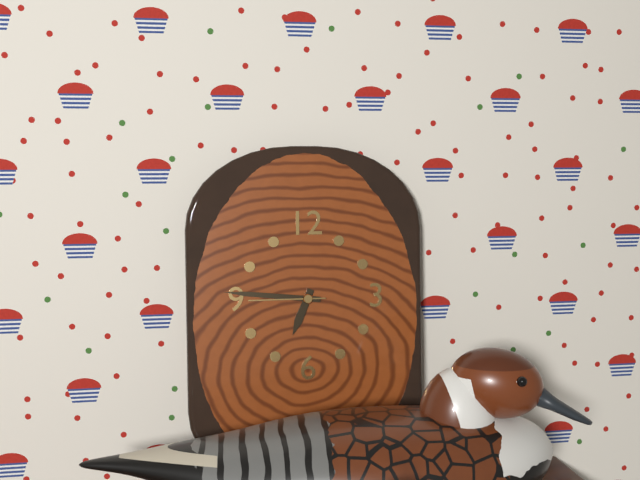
6,46,45
